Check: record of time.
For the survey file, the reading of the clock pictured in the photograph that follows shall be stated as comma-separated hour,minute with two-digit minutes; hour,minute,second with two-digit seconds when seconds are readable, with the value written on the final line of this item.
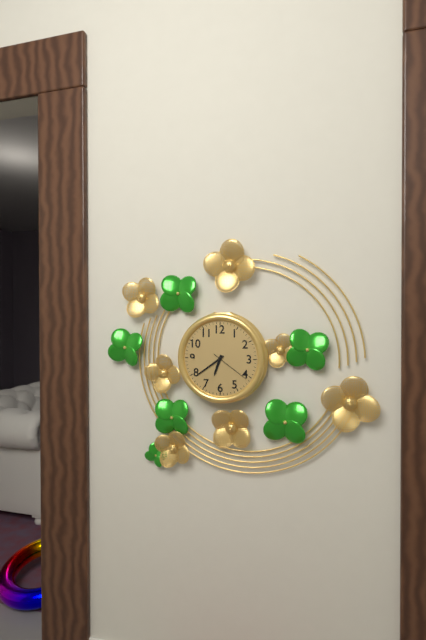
6,39
